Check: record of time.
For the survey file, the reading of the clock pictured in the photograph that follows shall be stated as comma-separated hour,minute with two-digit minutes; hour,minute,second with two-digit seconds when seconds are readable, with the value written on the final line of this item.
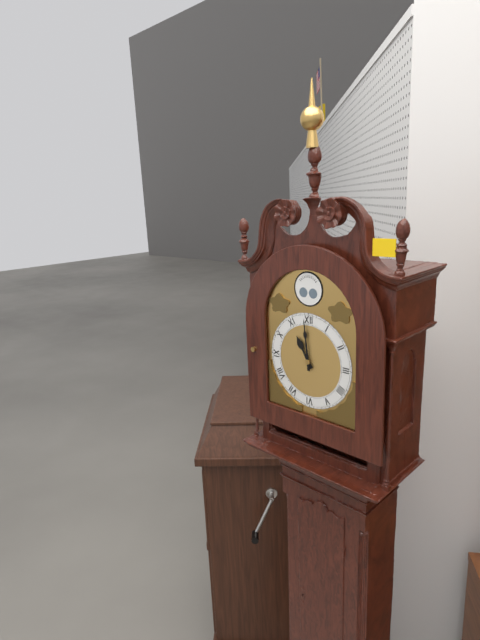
10,59
